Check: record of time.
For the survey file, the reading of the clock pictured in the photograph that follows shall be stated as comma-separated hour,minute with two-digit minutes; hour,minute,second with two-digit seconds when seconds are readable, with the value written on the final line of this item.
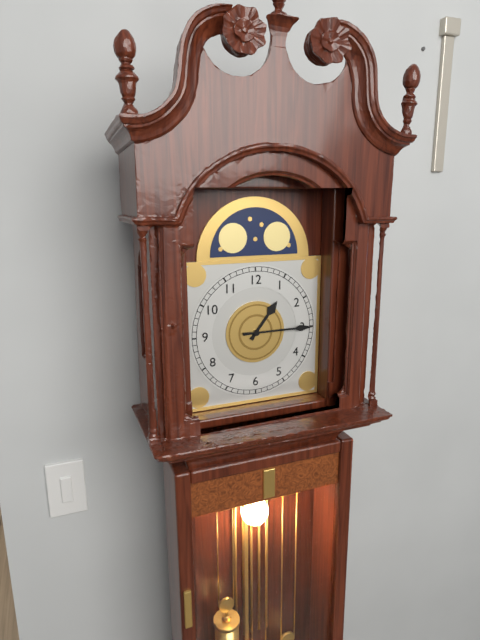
1,15
